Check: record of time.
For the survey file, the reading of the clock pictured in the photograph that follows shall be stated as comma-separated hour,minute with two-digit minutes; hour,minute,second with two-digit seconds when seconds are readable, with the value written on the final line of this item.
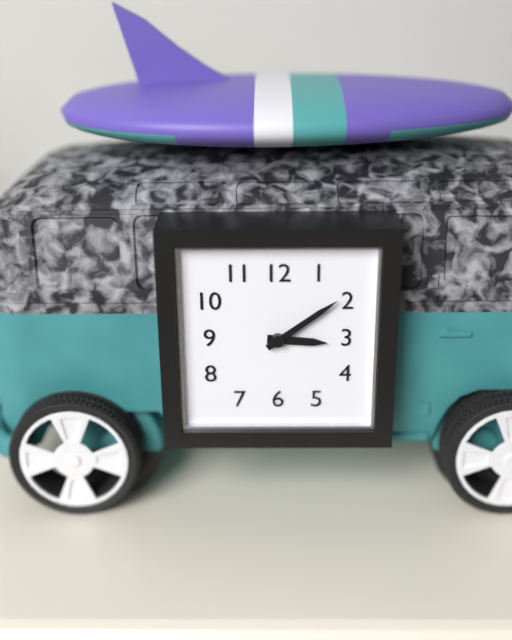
3,09
